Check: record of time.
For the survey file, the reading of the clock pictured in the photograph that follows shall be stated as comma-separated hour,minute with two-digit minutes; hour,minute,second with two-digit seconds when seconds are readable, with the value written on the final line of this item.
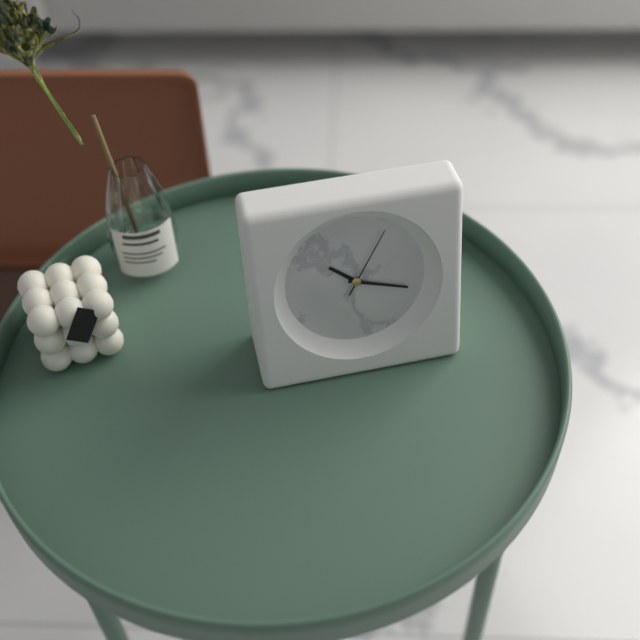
10,18,05
